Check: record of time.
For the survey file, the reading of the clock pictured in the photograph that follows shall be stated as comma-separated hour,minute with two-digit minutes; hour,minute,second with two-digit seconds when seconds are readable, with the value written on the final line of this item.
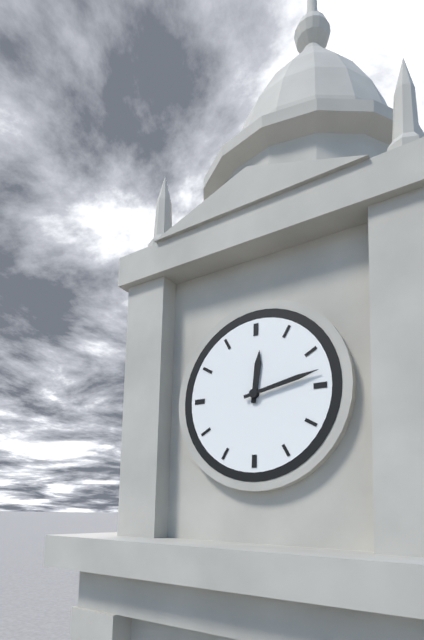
12,13
